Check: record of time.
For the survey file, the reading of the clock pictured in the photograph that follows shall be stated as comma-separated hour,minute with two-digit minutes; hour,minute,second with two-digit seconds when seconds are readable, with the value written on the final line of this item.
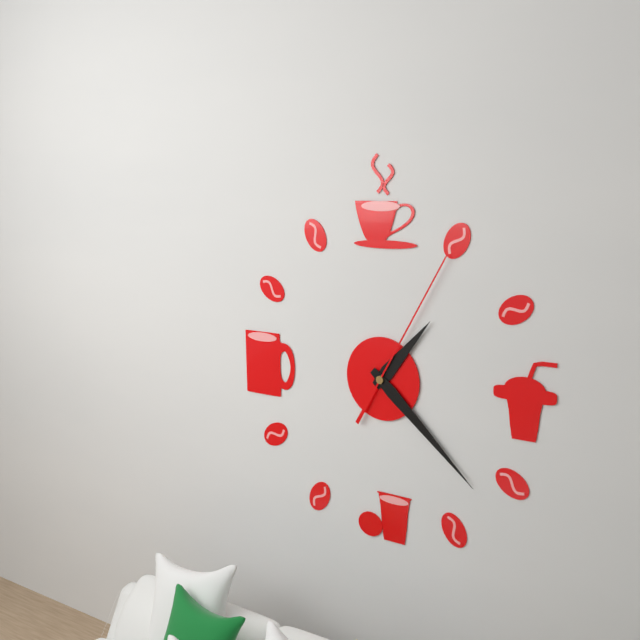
1,22,05
